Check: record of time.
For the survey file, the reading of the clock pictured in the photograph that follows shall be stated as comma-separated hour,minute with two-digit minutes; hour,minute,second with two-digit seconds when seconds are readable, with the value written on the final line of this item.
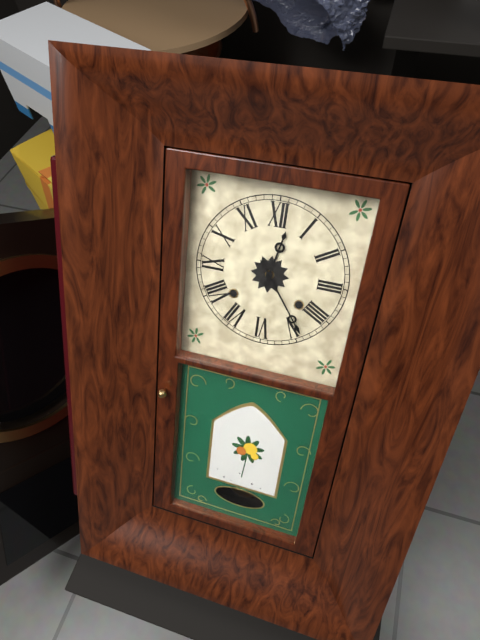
12,24
